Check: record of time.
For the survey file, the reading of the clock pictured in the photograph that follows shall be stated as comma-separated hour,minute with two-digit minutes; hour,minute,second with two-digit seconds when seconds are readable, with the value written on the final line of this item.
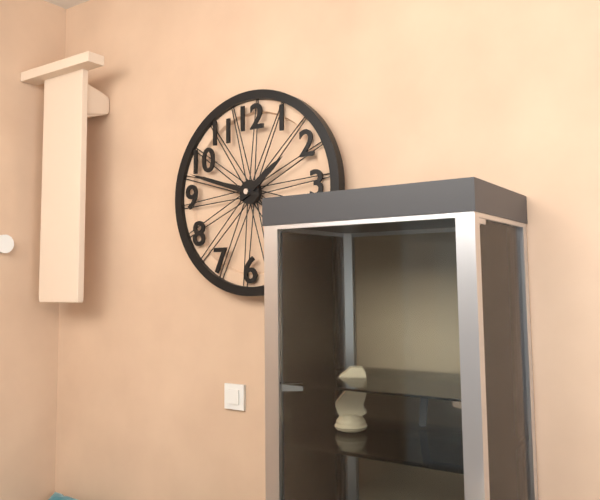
1,48
